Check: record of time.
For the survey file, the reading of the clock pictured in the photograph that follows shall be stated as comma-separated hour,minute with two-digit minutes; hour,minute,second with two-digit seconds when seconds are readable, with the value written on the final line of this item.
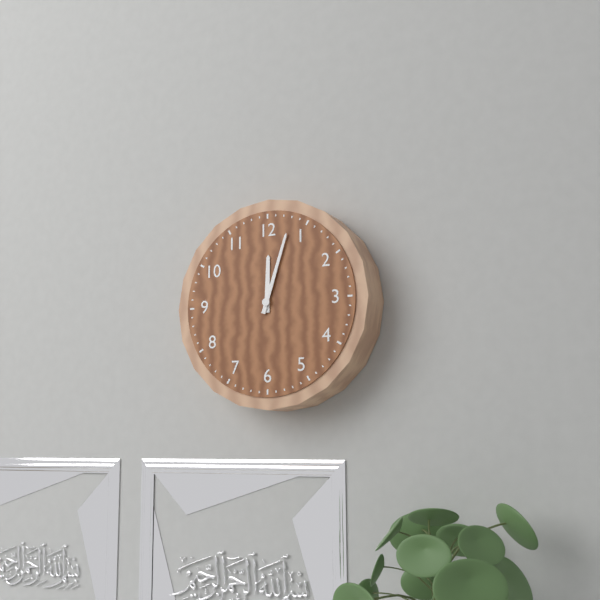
12,03
